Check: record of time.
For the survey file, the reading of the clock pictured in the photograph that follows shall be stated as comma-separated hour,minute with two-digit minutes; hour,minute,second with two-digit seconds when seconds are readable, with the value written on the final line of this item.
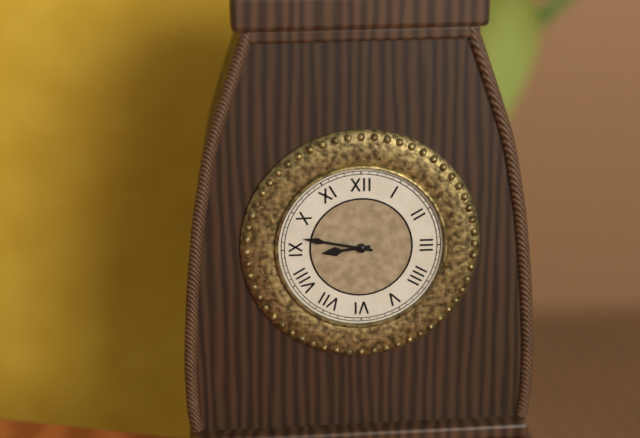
8,47
